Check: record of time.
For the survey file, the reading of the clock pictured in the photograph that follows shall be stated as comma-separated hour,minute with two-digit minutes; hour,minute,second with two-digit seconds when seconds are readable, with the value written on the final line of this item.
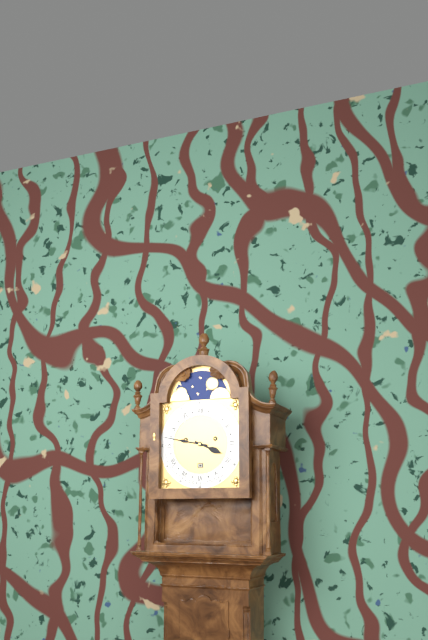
3,47
